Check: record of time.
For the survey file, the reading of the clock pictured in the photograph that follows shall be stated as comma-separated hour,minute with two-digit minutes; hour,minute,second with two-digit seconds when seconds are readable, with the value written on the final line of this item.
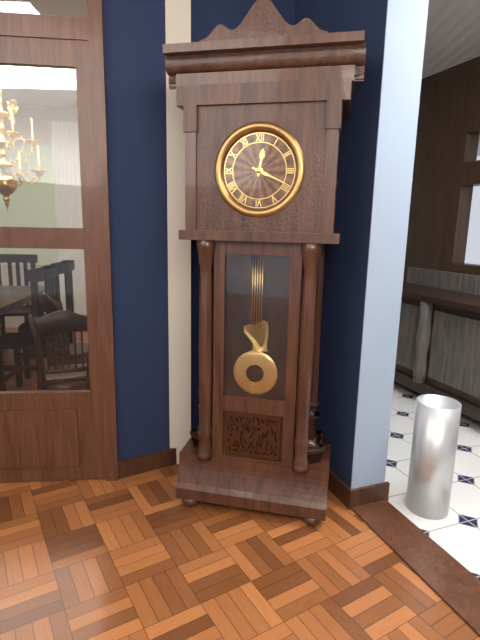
12,19
